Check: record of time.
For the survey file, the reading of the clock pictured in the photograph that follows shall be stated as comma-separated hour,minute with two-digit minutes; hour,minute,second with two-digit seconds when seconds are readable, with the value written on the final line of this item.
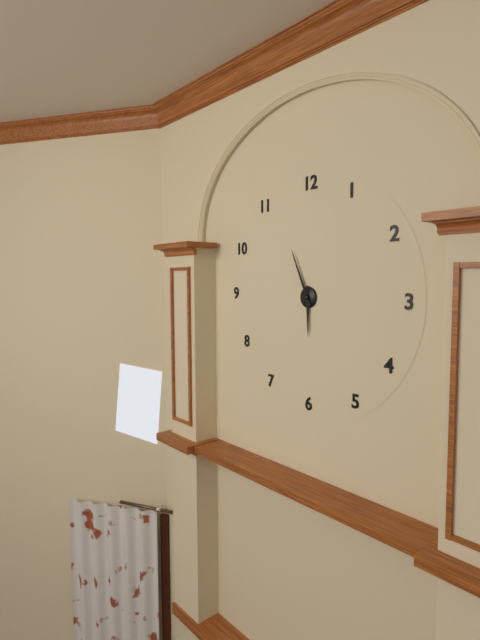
5,56
